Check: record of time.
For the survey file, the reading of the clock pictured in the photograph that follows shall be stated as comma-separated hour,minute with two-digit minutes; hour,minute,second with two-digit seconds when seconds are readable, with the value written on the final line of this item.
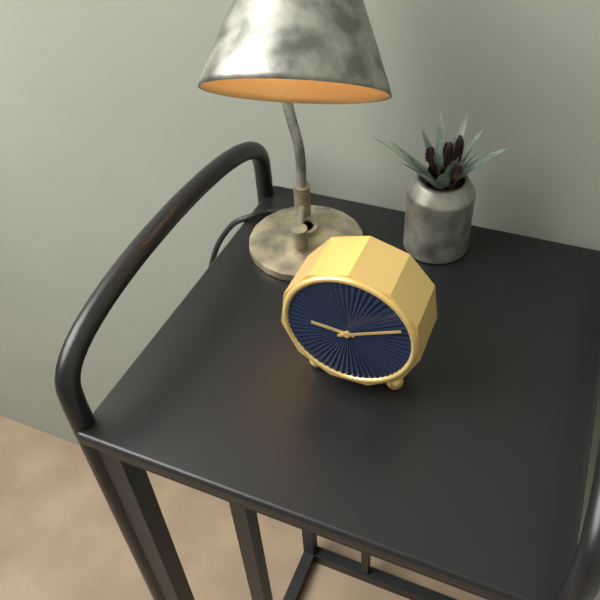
9,11
